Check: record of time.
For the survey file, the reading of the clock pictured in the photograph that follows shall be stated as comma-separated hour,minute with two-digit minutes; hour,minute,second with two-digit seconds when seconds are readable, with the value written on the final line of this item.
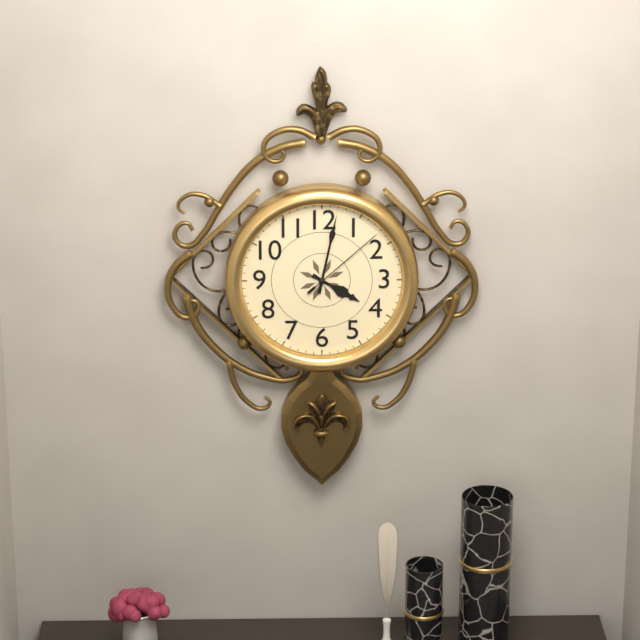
4,02,08
